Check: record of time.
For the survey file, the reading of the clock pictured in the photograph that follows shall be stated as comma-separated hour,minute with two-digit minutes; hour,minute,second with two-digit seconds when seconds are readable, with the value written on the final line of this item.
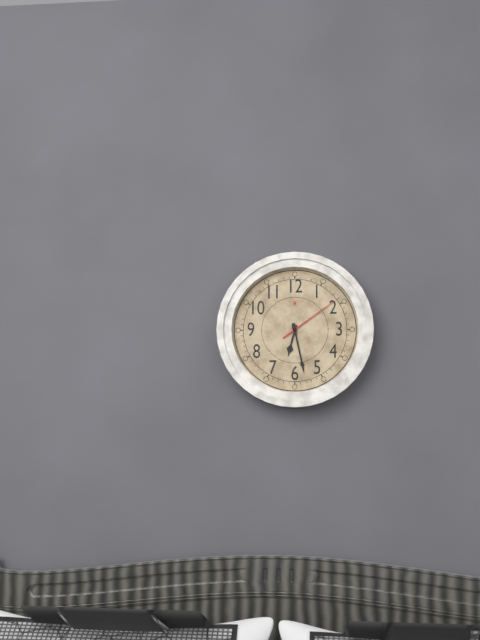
6,28,09
